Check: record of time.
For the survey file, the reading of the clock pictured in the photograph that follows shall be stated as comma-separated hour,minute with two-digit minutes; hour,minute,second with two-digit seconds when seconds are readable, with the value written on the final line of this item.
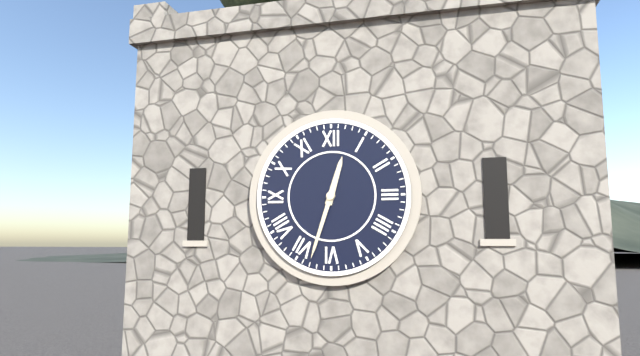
12,33
